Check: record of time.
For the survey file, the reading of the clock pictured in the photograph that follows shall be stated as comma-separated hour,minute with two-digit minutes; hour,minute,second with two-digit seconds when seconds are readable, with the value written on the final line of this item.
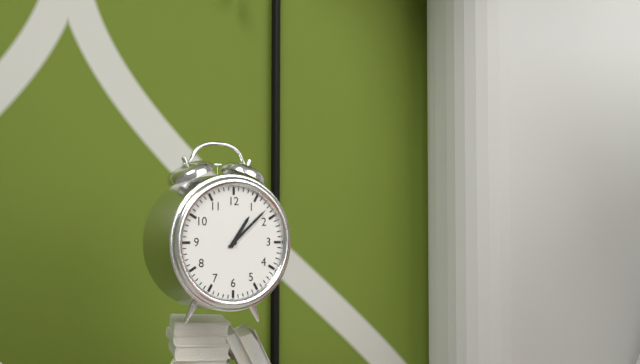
1,08
